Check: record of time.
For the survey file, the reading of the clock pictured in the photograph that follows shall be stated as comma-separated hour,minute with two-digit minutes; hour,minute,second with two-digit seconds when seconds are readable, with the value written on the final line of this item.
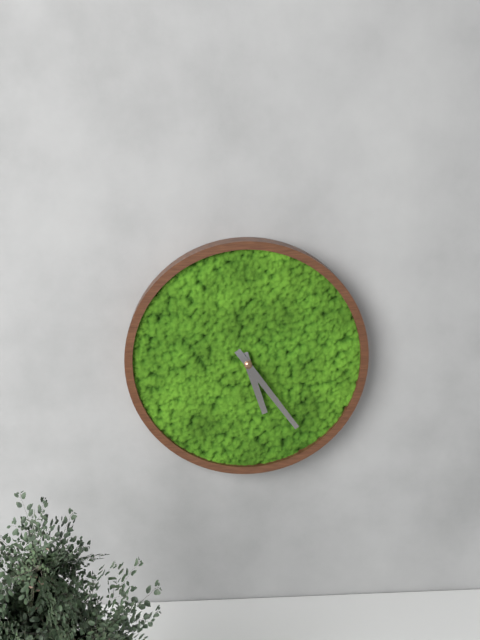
5,24
